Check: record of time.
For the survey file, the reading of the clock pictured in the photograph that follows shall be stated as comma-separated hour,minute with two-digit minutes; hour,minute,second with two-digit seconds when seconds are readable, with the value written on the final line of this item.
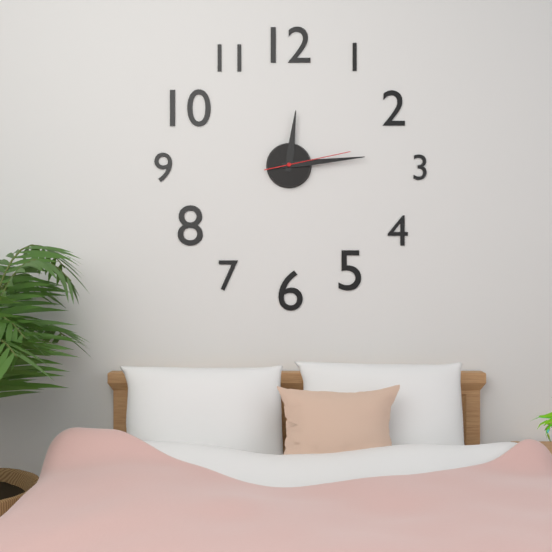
12,14,13
